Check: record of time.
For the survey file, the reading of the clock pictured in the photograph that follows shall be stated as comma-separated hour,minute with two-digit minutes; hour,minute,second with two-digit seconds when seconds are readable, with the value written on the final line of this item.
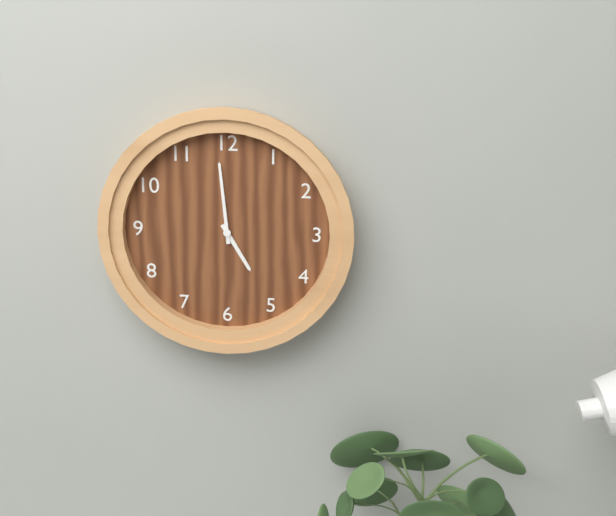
4,59
